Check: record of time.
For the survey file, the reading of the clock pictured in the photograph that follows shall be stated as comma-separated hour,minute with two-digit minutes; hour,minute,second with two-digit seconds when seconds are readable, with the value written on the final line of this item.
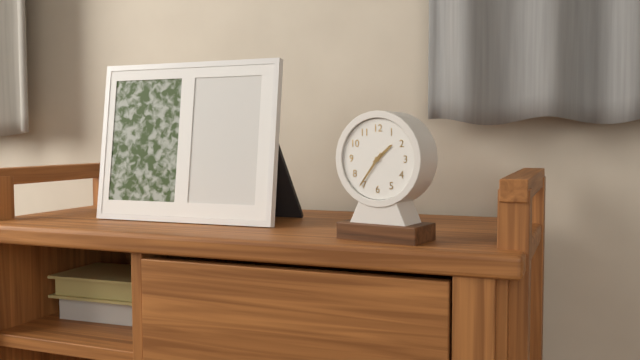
1,36
